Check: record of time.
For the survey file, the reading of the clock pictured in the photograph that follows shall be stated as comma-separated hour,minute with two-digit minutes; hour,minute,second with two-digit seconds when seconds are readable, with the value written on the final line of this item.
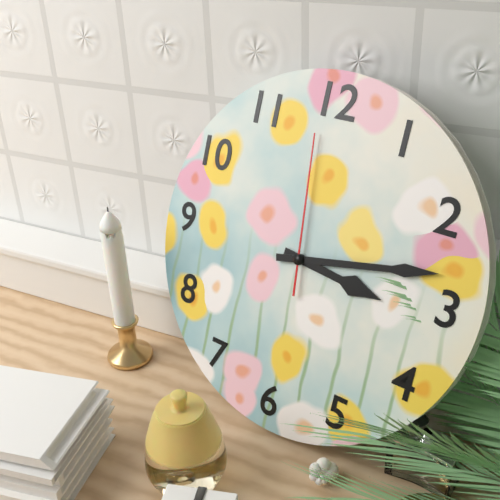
3,13,59
